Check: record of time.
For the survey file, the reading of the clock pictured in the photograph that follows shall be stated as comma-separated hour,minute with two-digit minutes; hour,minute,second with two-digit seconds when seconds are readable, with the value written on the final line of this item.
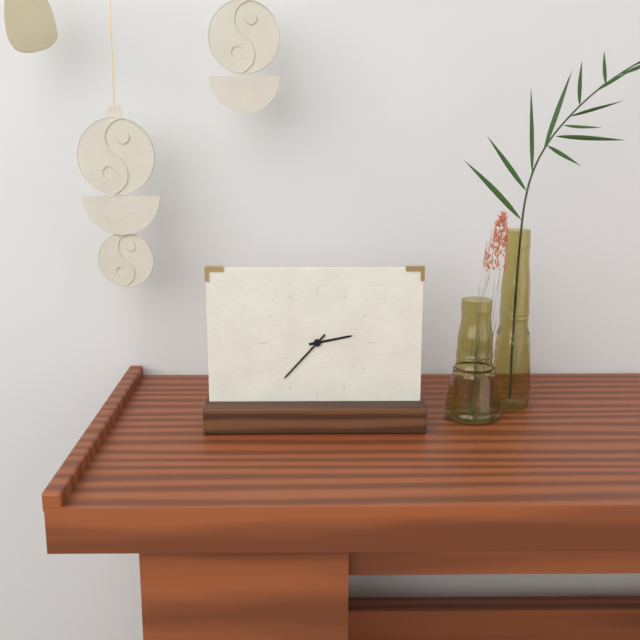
2,37
